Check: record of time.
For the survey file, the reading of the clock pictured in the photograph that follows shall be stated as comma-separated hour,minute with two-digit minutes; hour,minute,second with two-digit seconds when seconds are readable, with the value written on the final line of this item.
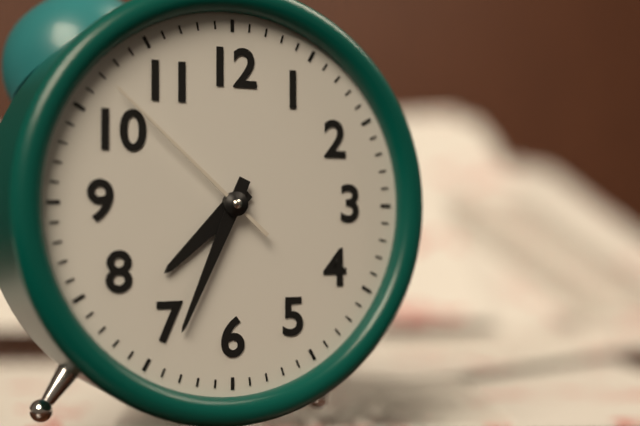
7,34,52
